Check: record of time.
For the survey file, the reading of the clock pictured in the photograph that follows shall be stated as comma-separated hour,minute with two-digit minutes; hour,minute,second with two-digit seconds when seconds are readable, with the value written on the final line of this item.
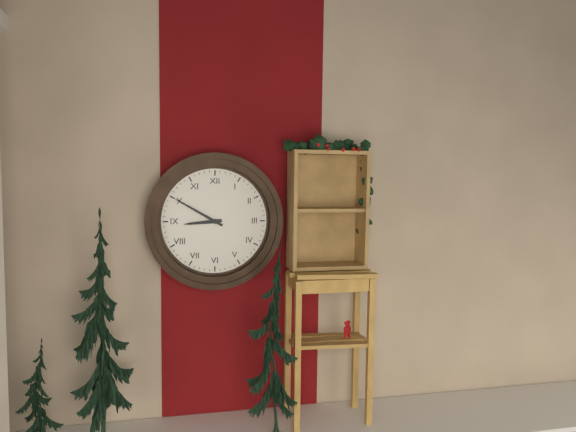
8,50
